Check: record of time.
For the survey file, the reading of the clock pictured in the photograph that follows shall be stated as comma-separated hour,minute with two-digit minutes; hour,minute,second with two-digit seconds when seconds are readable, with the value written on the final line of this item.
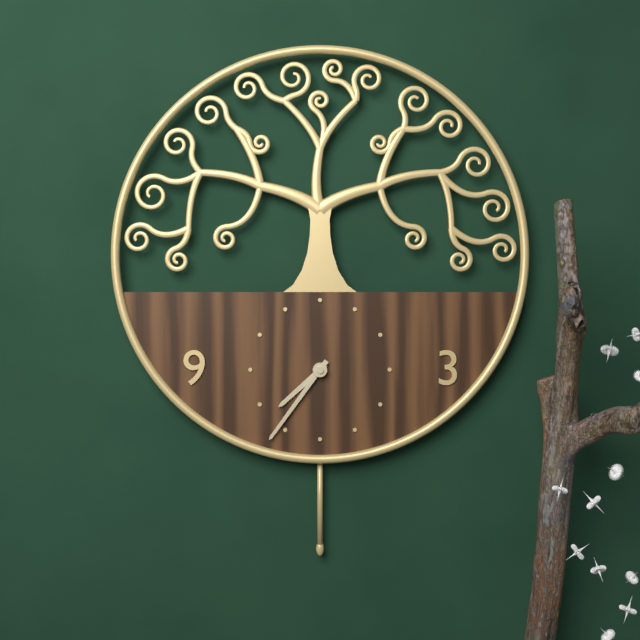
7,36
